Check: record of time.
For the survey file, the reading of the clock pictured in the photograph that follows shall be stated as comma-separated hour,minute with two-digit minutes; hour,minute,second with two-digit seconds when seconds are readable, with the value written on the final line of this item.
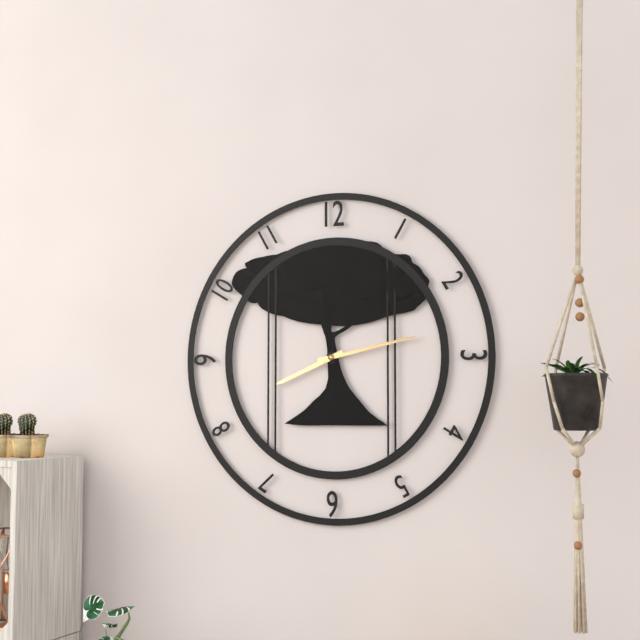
8,13
